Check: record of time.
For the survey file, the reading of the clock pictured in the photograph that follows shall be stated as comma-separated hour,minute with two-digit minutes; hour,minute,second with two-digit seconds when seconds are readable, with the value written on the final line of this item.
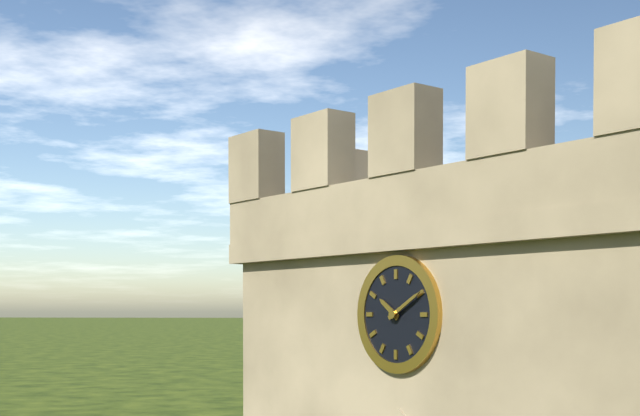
10,10
